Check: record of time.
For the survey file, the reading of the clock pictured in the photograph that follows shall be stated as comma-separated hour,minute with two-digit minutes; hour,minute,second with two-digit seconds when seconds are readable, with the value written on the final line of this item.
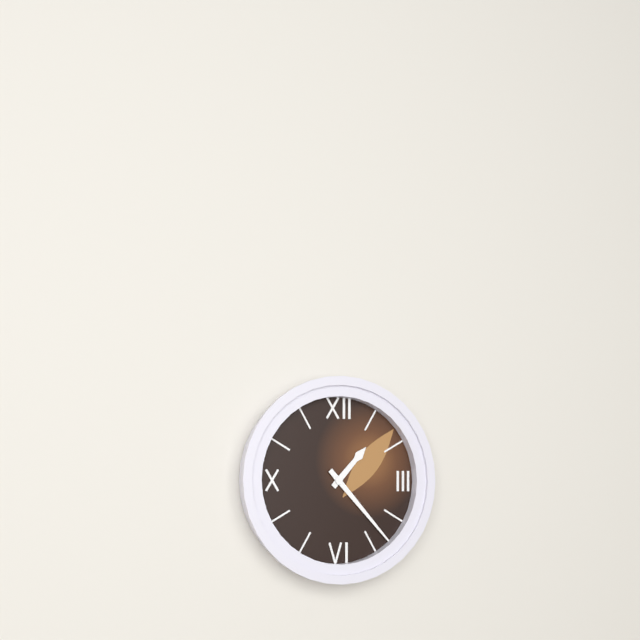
1,23
